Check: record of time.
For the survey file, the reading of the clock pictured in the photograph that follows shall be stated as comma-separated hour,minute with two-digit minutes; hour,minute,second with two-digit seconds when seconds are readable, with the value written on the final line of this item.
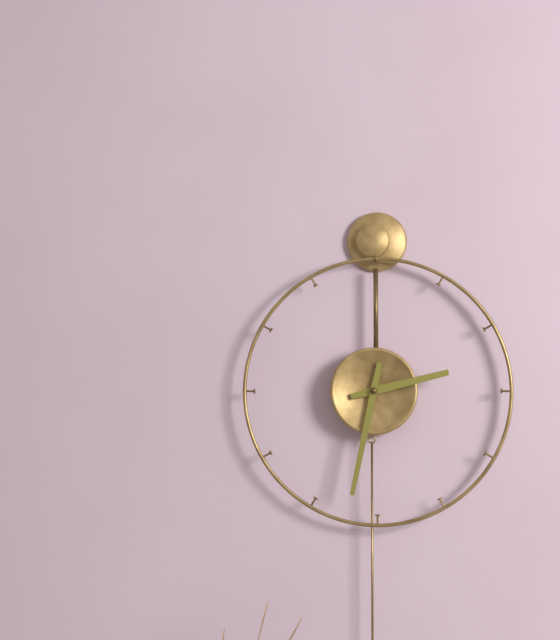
2,32
